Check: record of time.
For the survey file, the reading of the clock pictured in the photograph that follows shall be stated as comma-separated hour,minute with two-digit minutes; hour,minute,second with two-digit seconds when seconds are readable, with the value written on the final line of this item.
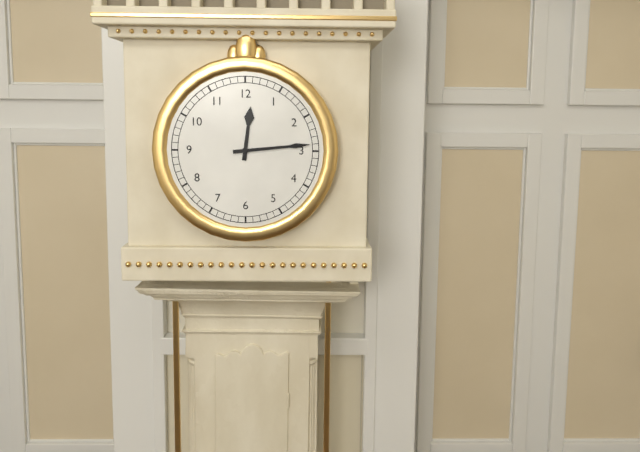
12,14
